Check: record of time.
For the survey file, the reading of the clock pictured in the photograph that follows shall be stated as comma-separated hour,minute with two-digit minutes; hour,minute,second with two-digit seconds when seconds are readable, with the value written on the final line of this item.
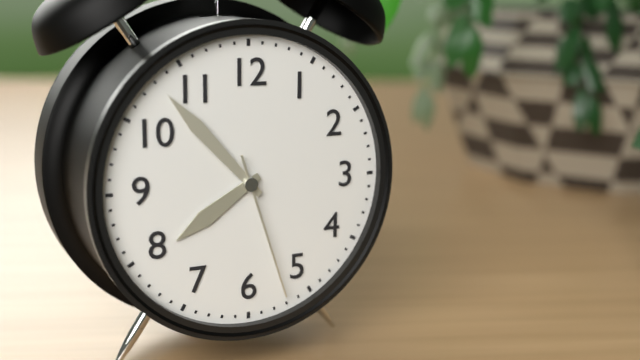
7,53,27
